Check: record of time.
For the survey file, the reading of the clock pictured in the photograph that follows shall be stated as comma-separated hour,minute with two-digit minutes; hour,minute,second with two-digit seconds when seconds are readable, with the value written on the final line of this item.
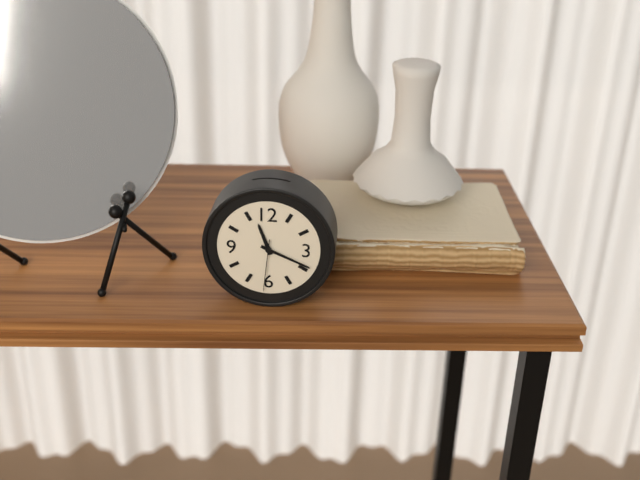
11,19,31
